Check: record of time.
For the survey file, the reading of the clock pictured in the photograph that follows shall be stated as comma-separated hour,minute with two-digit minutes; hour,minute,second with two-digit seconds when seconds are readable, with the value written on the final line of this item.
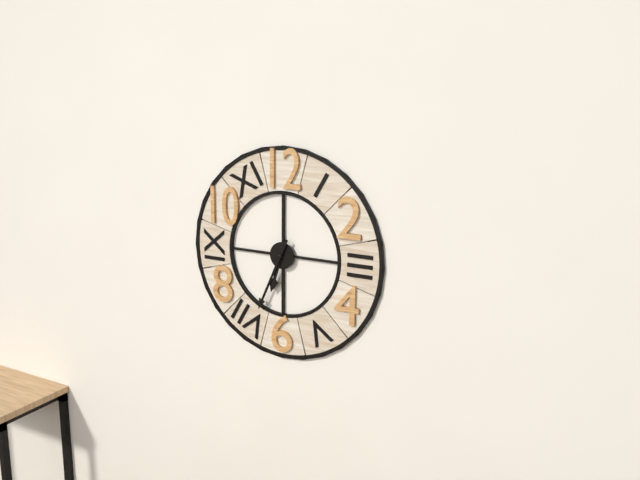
6,34
